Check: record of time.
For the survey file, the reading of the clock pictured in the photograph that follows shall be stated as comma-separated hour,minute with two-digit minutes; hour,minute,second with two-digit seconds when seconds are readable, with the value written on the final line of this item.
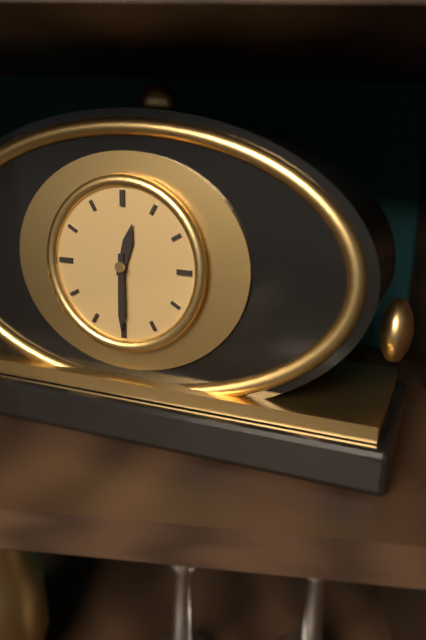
12,30
